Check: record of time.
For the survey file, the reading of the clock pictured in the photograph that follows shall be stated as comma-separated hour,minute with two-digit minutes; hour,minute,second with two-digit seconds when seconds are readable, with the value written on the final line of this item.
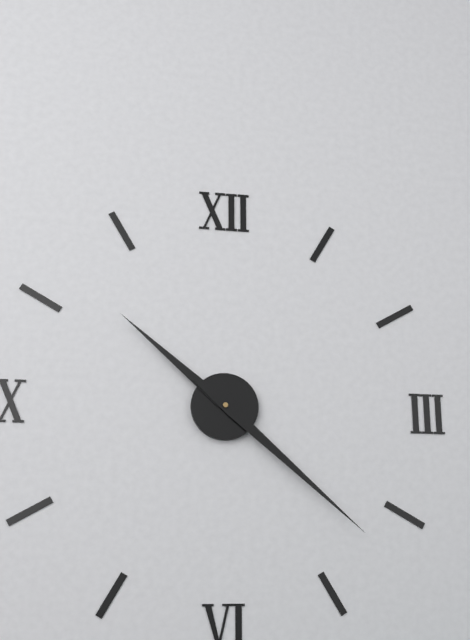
10,22
